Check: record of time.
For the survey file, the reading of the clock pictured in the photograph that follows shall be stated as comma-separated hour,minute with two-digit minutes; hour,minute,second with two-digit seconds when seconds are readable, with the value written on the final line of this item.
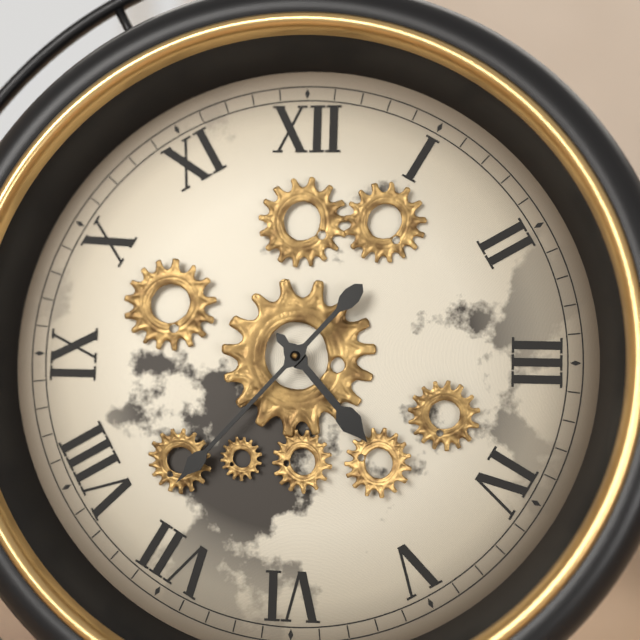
4,37
